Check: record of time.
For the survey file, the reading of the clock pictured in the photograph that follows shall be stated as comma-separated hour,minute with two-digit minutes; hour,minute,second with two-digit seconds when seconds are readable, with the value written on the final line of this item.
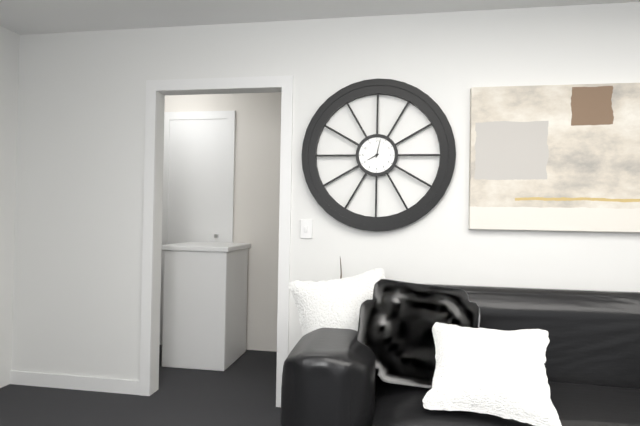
8,02
